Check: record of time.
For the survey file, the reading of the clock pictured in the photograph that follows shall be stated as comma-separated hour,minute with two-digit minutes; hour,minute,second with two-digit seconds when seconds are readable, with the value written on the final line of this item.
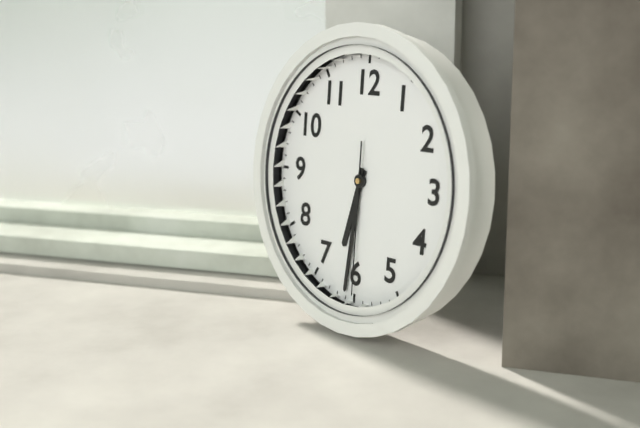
6,31,30
